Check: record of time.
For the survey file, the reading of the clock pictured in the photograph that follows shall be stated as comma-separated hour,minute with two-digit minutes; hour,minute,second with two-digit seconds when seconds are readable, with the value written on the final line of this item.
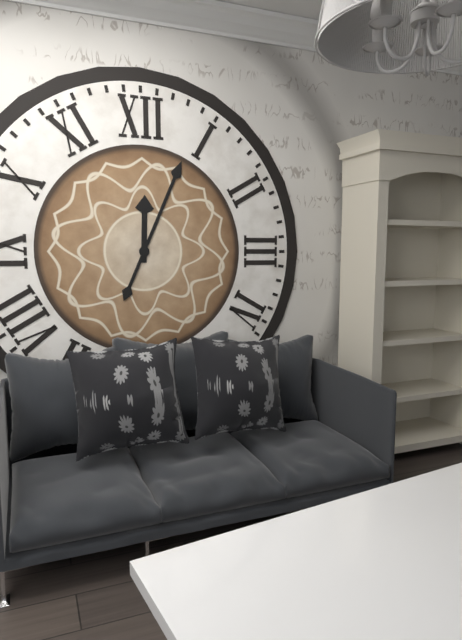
12,04
